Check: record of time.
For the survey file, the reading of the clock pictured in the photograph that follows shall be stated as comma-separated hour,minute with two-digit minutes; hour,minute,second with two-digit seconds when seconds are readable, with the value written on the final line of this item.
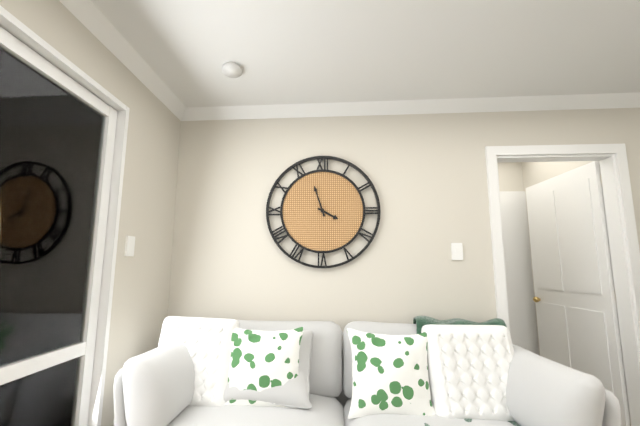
3,57
